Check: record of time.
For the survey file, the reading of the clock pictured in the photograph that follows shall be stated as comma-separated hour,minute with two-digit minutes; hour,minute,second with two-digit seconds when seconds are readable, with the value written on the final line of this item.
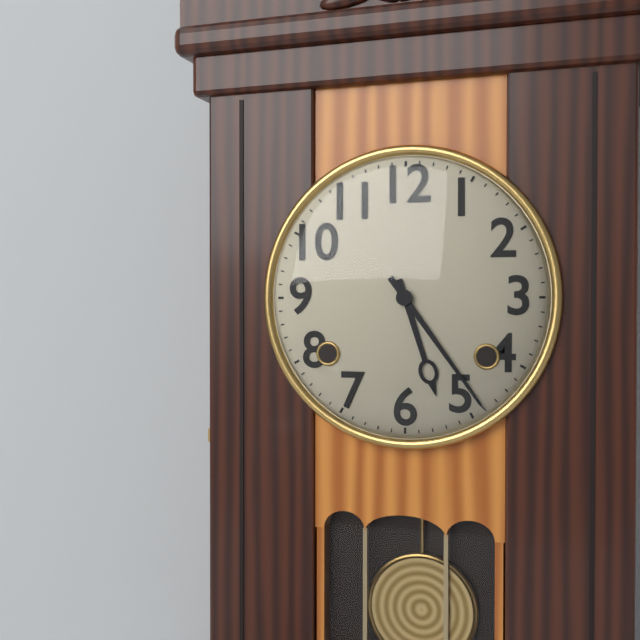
5,24
